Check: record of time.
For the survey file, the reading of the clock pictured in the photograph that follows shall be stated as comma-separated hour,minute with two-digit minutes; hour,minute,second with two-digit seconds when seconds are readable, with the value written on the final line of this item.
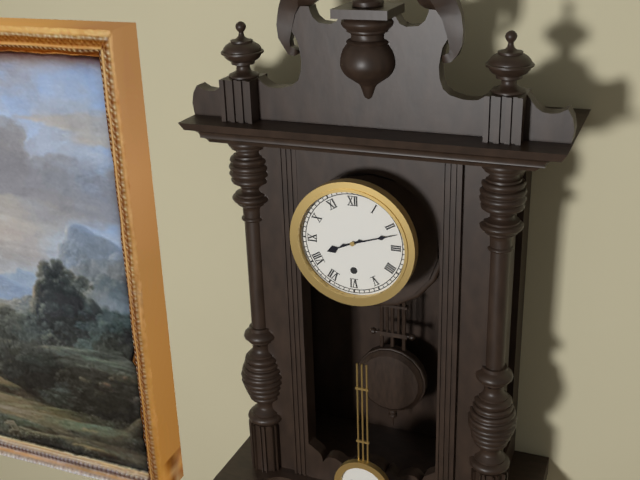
8,12
